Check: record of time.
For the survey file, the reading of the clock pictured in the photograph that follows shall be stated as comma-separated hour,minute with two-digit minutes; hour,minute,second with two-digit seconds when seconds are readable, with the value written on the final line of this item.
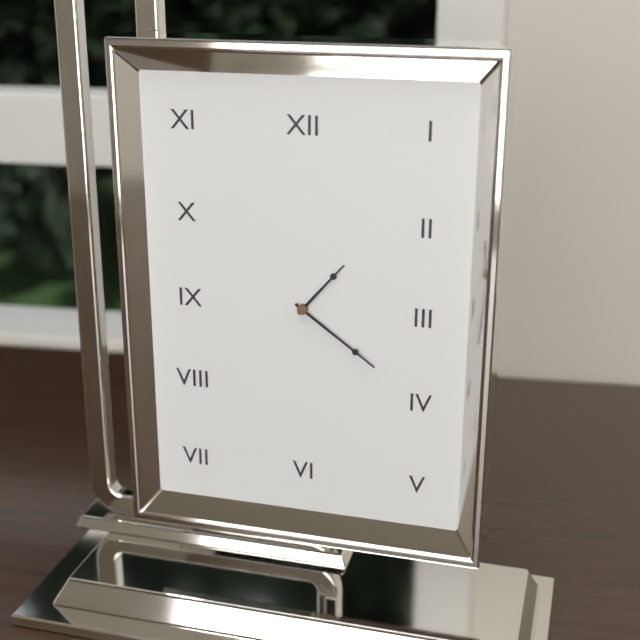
1,21
